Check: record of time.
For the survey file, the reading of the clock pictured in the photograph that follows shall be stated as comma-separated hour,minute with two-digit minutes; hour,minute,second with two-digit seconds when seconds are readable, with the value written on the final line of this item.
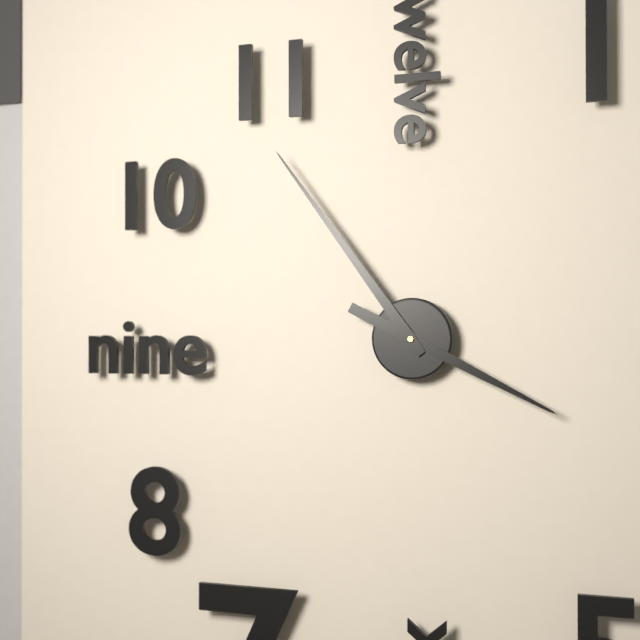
3,54
